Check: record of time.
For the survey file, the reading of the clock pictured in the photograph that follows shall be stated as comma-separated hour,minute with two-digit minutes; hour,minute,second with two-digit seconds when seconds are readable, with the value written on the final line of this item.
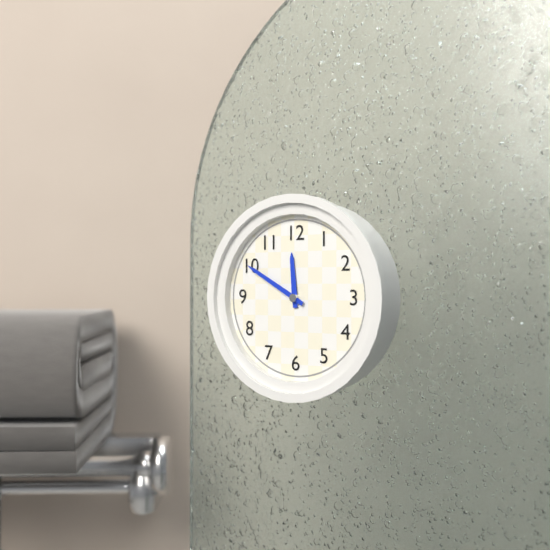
11,50
